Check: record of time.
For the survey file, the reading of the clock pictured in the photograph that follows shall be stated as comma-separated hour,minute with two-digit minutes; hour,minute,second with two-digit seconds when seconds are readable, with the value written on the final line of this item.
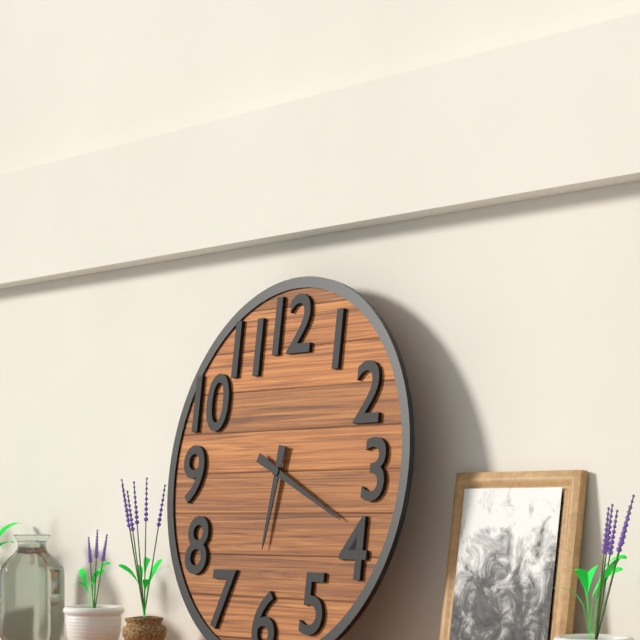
6,19
